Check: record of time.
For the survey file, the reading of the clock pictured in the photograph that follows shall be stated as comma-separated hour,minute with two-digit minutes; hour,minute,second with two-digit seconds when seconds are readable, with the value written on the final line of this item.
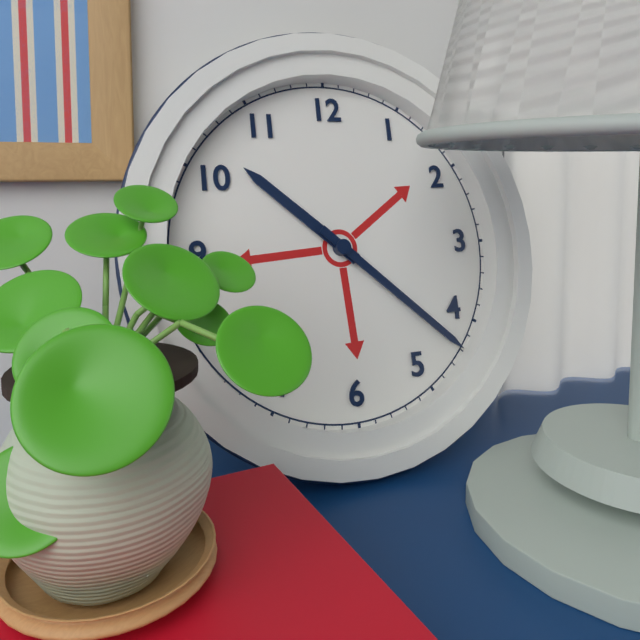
10,22
